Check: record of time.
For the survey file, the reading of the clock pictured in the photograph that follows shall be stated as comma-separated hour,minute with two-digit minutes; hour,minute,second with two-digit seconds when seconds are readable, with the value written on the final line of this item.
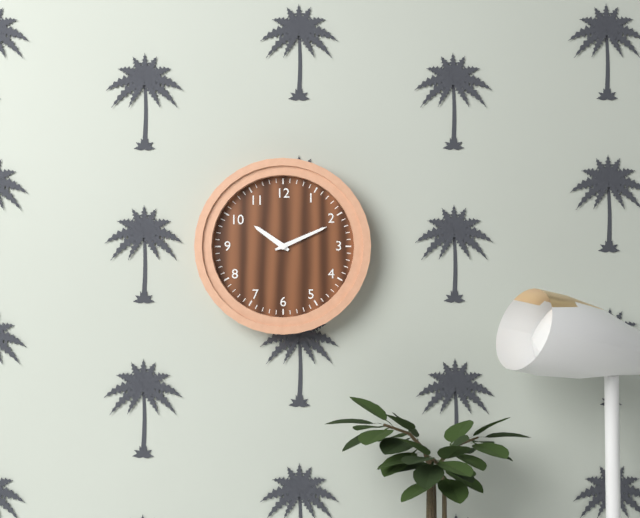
10,11
